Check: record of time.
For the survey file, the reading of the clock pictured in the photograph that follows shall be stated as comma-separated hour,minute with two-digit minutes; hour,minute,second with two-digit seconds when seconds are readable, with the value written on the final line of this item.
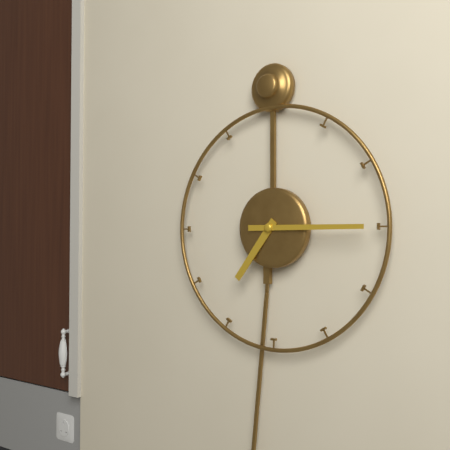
7,15
